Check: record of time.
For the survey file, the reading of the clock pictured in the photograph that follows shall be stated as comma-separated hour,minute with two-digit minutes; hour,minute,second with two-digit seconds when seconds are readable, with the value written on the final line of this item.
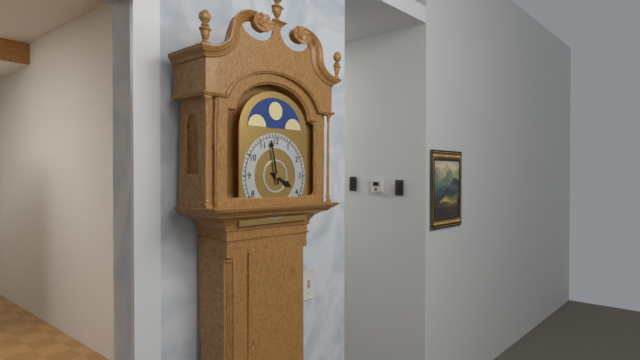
3,58
